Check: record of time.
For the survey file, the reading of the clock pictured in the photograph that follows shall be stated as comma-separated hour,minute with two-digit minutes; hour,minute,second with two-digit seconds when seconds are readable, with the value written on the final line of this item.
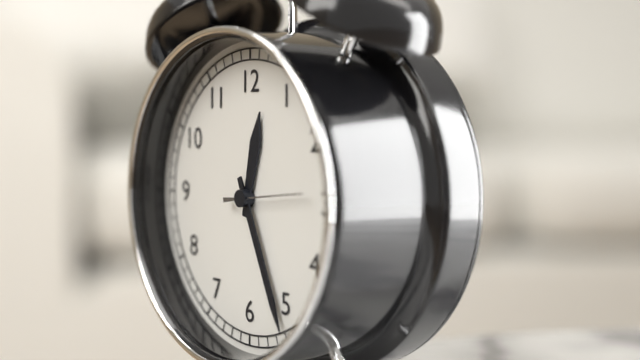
12,26,14
